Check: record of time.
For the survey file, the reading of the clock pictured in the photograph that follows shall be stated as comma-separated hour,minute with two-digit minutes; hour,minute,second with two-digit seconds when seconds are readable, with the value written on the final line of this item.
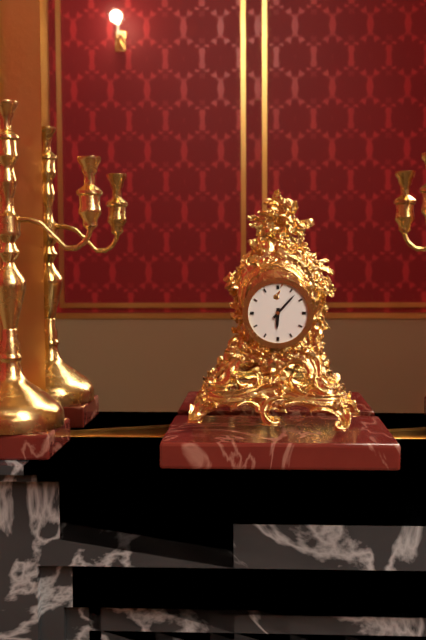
6,07
